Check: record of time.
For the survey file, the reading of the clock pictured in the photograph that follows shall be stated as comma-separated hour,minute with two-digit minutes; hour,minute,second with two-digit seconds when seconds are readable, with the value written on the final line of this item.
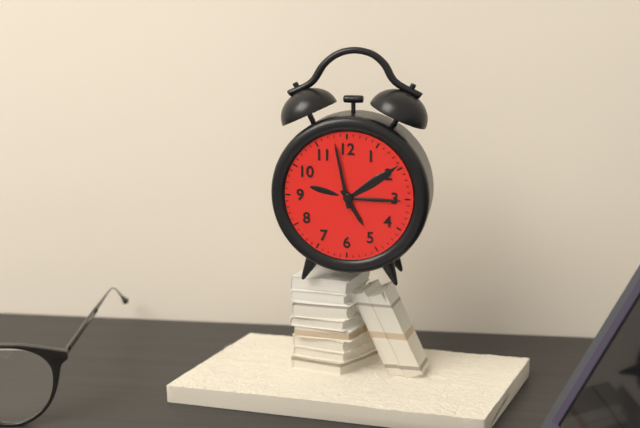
4,58
